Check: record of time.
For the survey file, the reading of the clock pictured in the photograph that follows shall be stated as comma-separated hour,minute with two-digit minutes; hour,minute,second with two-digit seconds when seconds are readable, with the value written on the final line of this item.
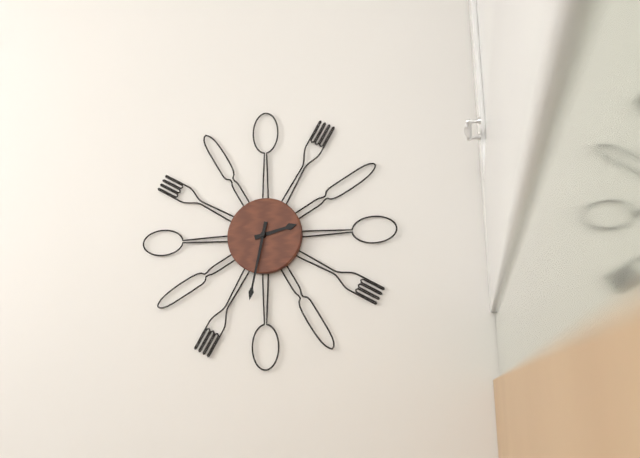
2,32
